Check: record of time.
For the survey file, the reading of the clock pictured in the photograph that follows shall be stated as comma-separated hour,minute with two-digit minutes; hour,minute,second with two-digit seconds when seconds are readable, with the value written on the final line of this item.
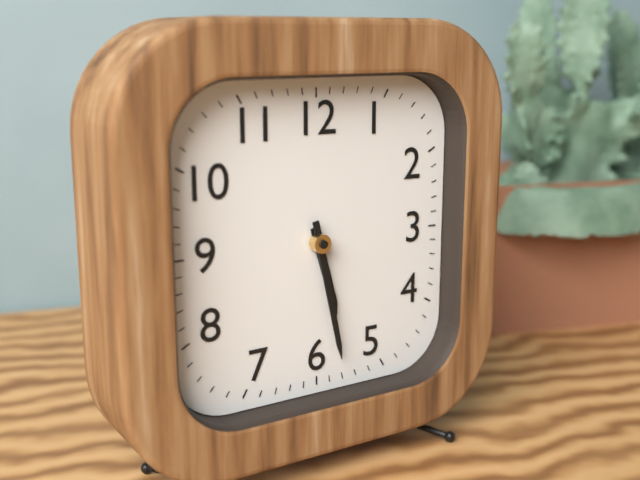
5,28
